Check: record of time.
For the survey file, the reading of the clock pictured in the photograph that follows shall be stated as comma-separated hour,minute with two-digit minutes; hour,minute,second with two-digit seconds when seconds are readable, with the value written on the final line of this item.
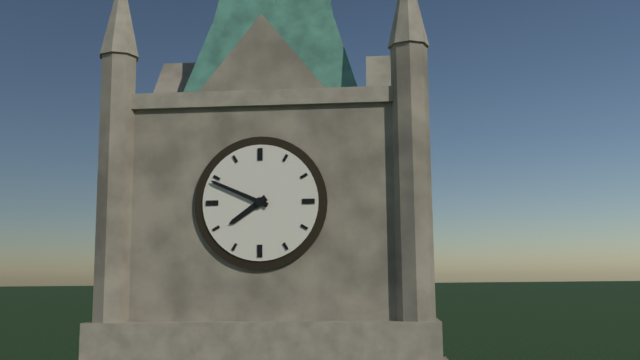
7,49
